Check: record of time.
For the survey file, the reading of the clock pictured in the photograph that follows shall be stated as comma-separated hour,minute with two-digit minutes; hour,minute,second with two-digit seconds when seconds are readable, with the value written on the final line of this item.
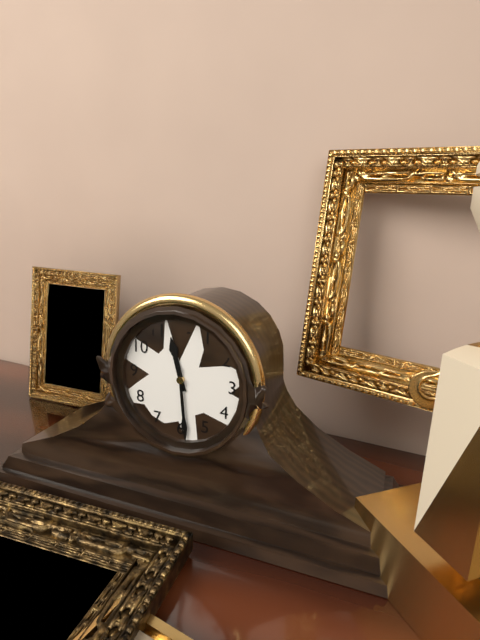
11,29
